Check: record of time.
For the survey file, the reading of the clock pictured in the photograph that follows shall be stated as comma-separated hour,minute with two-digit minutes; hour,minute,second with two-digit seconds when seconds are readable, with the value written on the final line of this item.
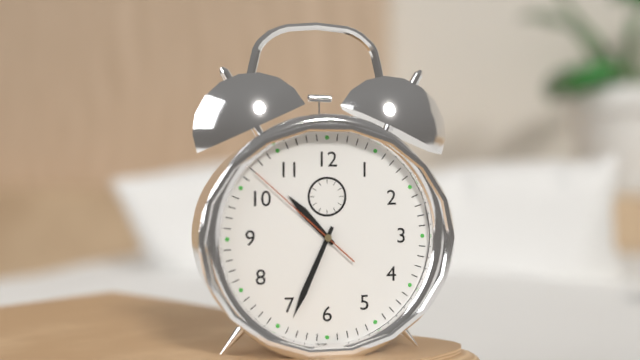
10,34,52
